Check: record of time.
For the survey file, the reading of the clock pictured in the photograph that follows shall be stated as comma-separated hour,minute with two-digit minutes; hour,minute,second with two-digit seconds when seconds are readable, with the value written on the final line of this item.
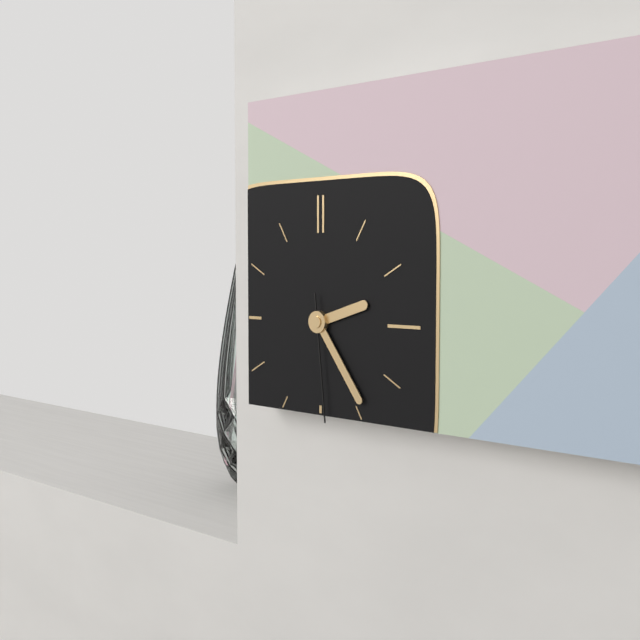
2,24,29
